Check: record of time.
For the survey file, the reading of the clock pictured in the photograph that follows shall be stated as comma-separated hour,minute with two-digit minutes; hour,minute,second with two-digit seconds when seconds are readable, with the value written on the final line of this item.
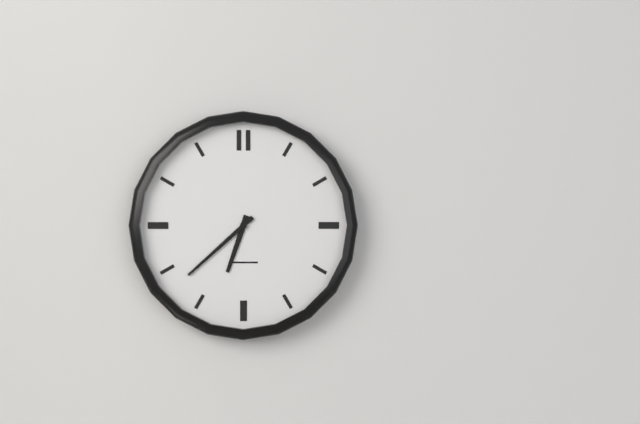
6,38
